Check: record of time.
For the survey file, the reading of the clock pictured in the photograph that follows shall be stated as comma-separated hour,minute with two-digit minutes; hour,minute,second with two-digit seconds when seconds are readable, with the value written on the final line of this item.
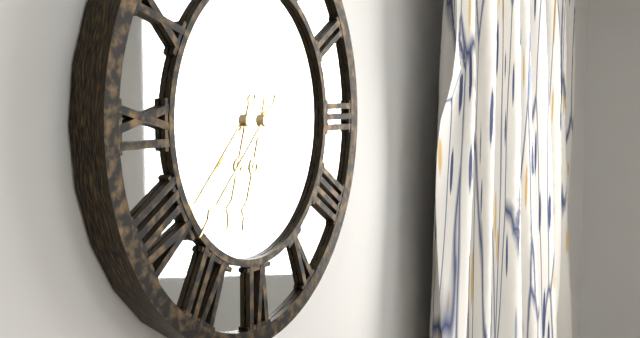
6,38
